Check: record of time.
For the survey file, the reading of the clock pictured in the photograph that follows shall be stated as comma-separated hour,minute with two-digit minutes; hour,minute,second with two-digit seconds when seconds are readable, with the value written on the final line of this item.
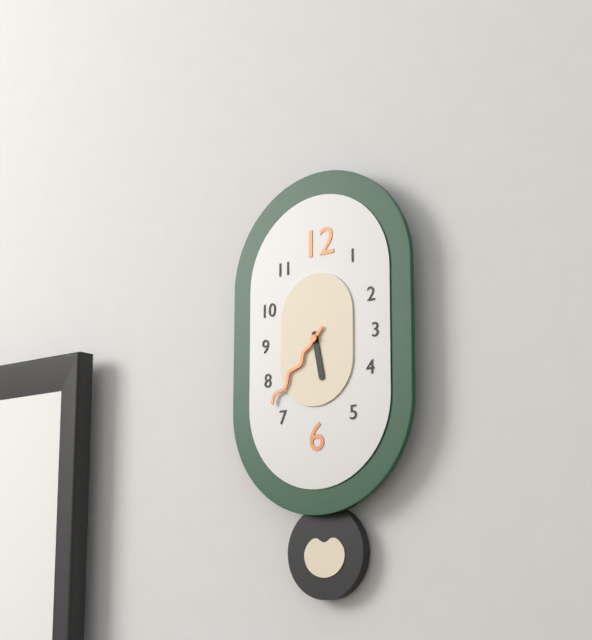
5,37
